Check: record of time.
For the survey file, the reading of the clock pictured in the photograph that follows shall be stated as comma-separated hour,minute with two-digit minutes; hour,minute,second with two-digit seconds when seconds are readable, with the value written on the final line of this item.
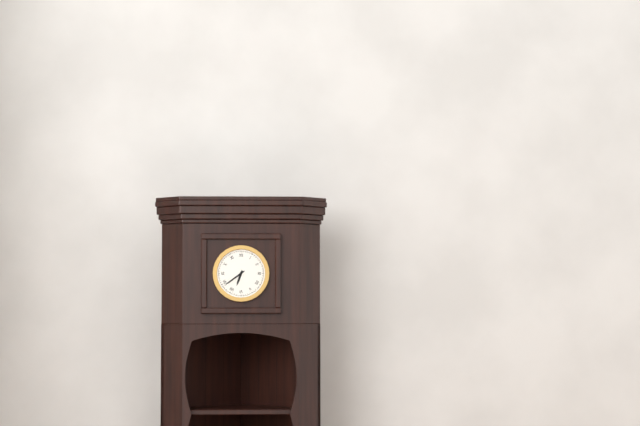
6,39
